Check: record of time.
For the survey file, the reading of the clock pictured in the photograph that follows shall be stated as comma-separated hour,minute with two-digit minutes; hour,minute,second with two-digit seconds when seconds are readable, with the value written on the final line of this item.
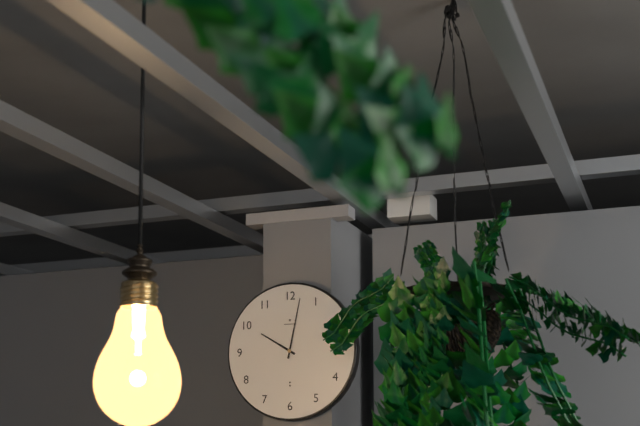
10,02
